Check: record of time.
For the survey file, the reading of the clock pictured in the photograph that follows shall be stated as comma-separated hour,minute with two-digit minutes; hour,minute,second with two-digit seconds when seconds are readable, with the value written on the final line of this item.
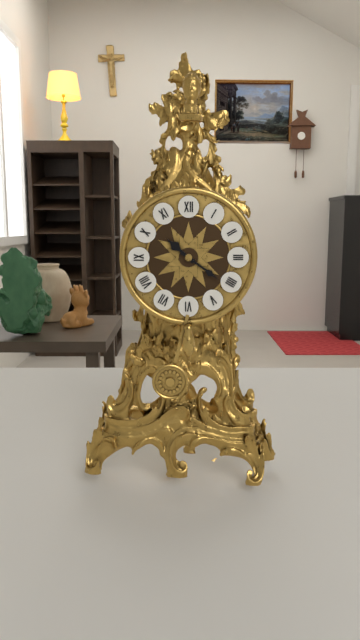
10,21
